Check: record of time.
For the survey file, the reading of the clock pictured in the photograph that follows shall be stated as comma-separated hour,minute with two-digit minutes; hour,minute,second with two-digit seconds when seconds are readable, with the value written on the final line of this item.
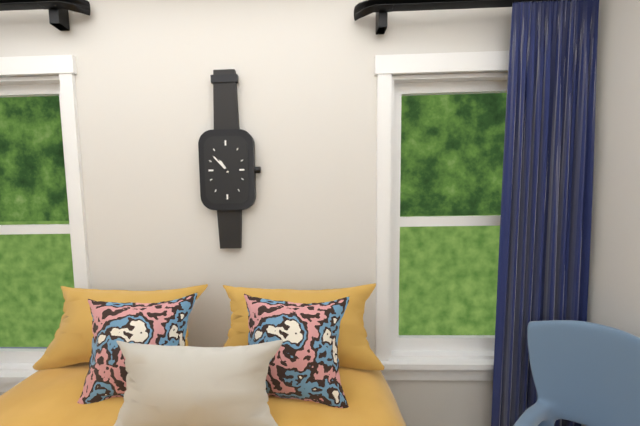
10,53
